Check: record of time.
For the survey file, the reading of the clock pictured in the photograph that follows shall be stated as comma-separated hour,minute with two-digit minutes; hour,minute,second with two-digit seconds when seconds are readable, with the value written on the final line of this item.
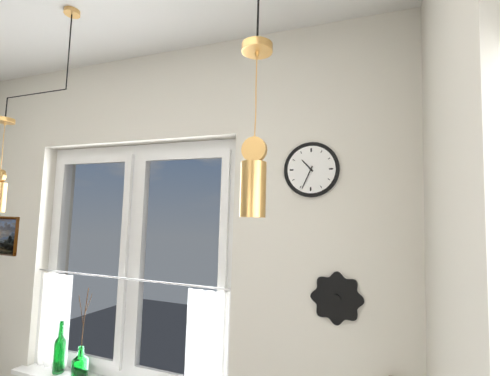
10,34
